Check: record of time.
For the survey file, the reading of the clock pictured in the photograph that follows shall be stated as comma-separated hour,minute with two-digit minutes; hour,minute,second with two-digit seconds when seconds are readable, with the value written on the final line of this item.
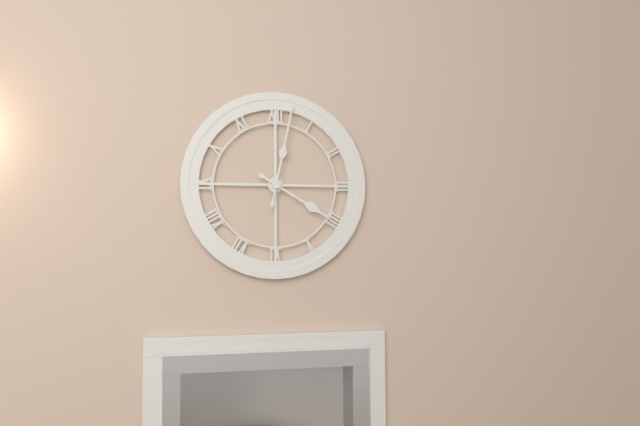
4,02
